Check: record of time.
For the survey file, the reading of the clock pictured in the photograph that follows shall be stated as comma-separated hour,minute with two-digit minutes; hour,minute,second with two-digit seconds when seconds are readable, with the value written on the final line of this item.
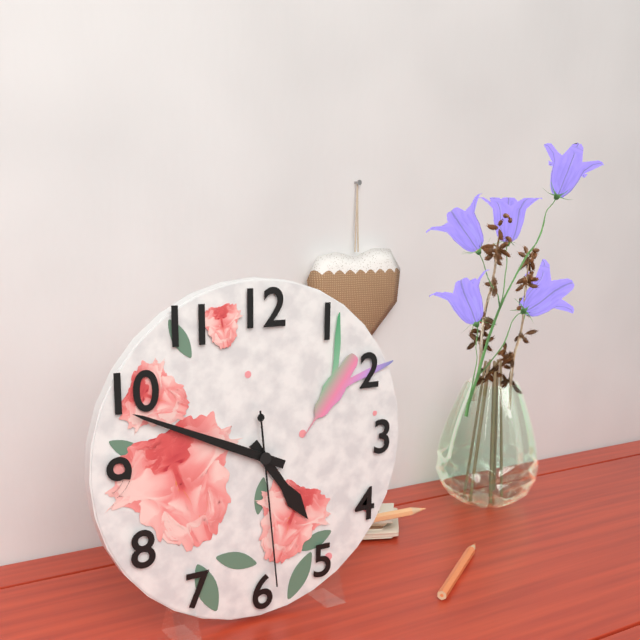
4,49,29
